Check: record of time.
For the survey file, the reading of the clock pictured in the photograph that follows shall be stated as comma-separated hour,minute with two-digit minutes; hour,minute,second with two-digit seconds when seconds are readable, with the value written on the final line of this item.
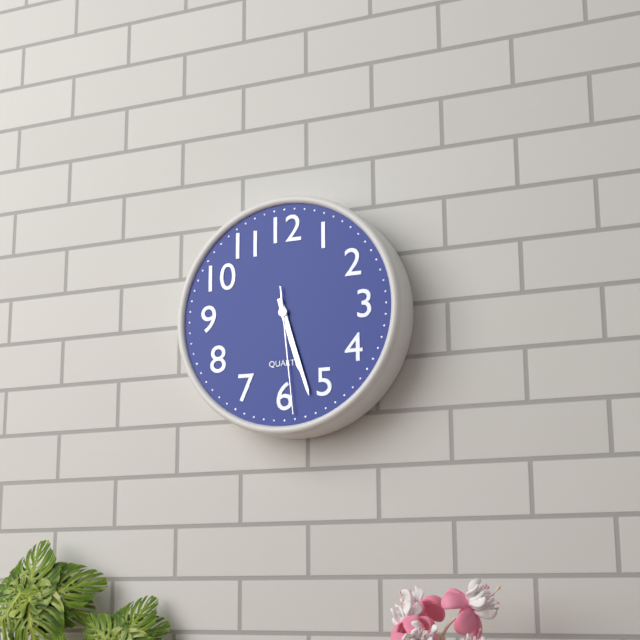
5,27,29
